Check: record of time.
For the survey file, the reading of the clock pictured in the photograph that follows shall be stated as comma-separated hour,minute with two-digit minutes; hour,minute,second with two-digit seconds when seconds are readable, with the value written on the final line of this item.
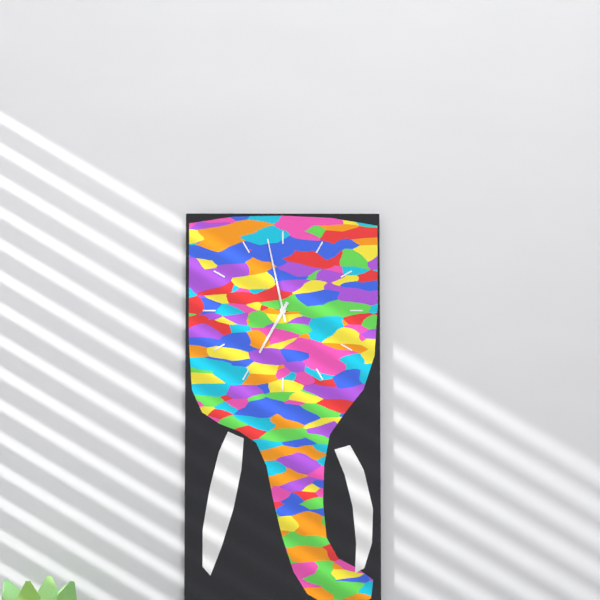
6,58
